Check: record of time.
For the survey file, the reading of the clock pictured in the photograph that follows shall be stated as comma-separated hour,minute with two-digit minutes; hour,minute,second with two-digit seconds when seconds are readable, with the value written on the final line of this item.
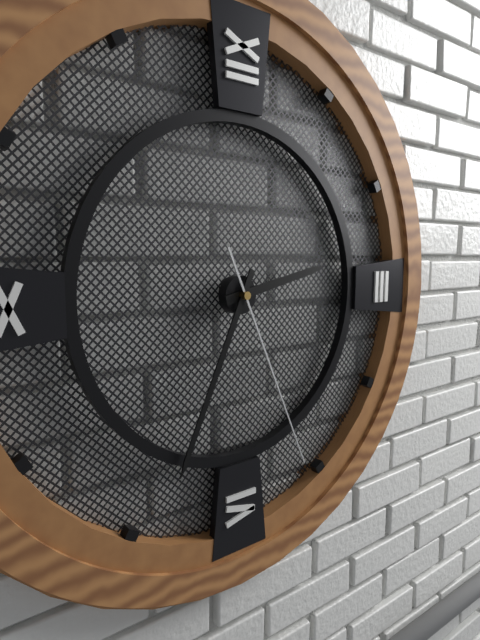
2,34,26
